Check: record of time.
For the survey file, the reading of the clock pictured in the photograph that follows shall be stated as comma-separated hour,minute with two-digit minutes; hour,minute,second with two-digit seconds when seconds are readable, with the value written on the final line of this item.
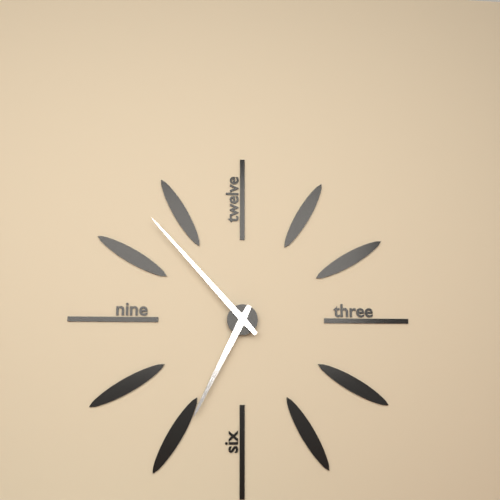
6,53
